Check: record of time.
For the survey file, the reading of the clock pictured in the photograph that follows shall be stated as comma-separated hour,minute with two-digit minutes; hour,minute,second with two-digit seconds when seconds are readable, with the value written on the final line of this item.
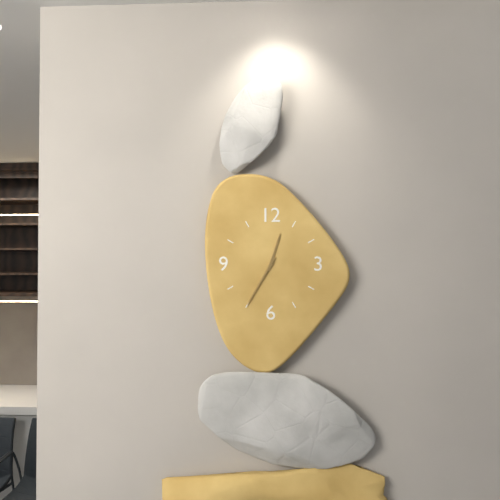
12,35
